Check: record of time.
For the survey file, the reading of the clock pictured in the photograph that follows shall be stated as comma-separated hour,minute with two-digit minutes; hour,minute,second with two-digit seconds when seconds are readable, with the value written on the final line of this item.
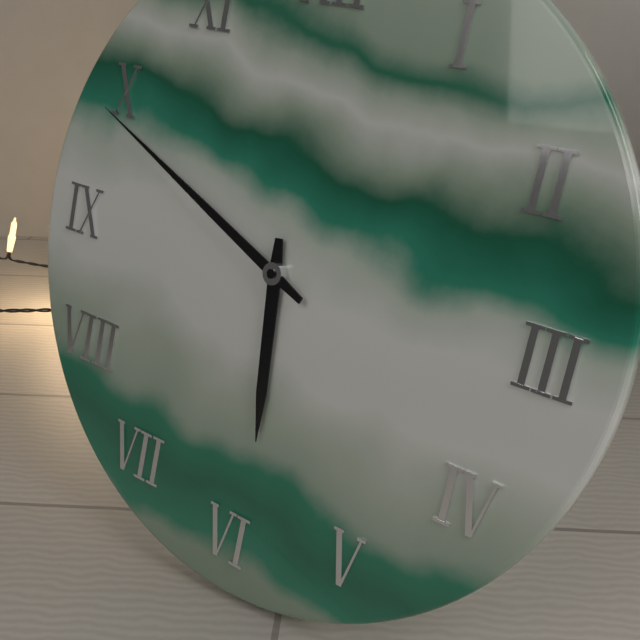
5,49
